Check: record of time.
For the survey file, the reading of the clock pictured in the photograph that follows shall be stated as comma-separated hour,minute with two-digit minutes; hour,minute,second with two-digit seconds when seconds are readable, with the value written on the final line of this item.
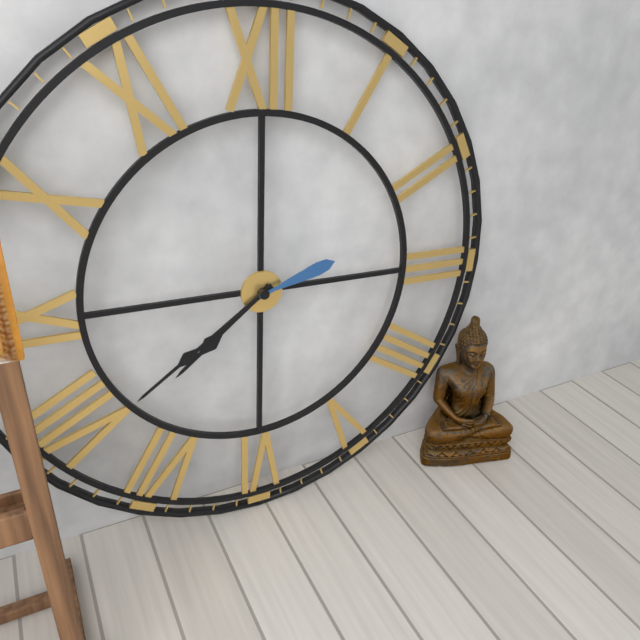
7,39,12
